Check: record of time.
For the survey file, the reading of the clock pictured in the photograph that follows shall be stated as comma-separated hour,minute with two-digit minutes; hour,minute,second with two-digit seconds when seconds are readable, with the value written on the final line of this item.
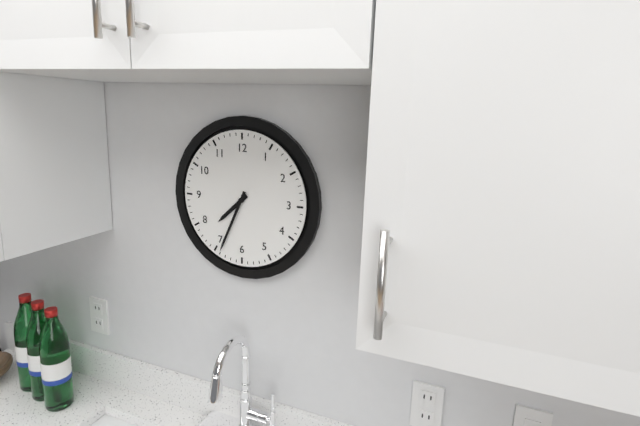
7,34
